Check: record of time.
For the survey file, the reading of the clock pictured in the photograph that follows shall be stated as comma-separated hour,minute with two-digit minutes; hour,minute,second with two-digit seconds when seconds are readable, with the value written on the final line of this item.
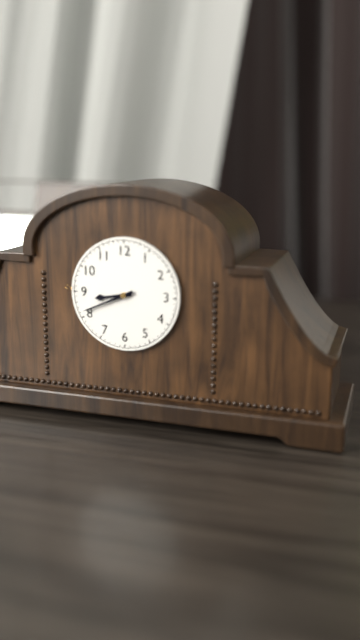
8,41
